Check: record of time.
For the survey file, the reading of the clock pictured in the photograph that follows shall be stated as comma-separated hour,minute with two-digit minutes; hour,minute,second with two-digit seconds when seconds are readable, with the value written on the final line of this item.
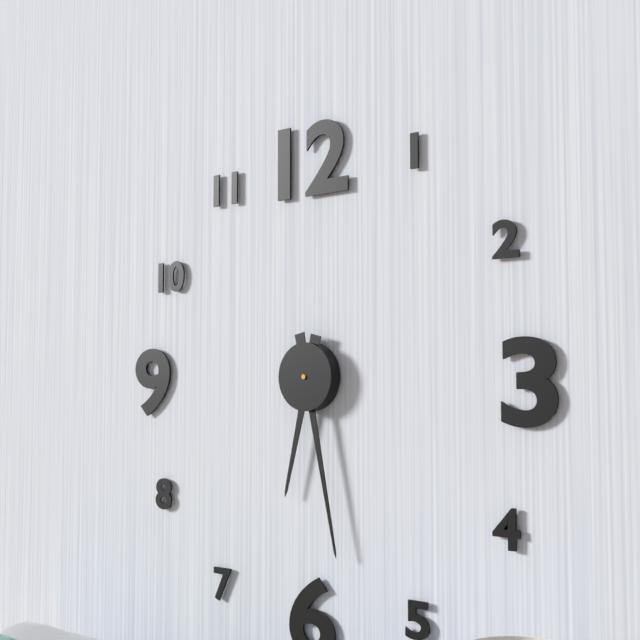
6,28
